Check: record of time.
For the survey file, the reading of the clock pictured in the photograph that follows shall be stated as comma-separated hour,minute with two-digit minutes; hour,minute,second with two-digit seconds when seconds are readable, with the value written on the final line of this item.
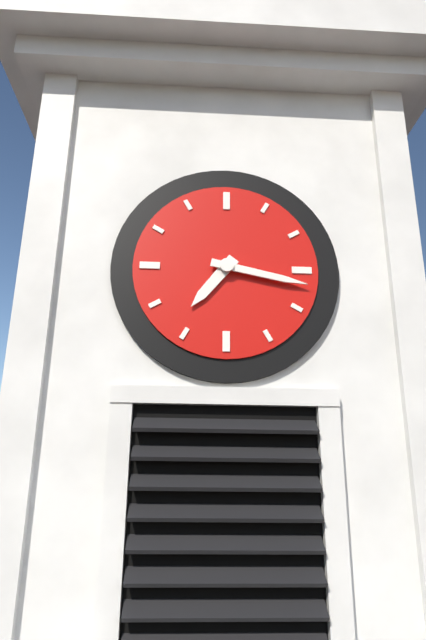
7,17
